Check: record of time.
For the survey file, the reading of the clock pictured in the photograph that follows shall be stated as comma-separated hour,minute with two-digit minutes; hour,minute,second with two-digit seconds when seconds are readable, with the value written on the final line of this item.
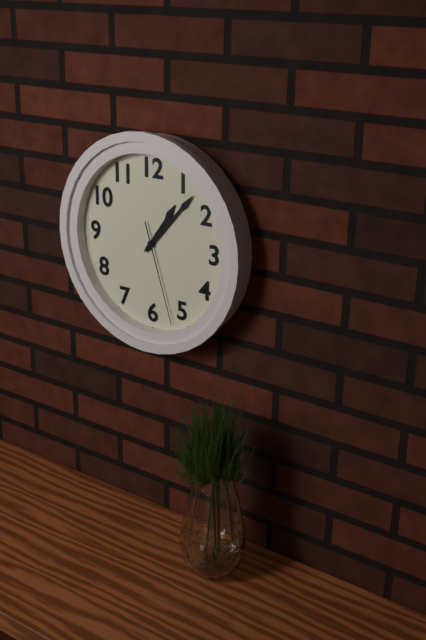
1,07,27
